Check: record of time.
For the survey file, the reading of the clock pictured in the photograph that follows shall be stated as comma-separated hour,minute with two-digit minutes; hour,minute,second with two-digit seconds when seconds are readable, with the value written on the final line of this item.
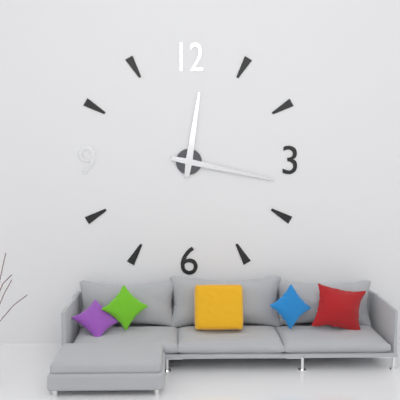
12,17
